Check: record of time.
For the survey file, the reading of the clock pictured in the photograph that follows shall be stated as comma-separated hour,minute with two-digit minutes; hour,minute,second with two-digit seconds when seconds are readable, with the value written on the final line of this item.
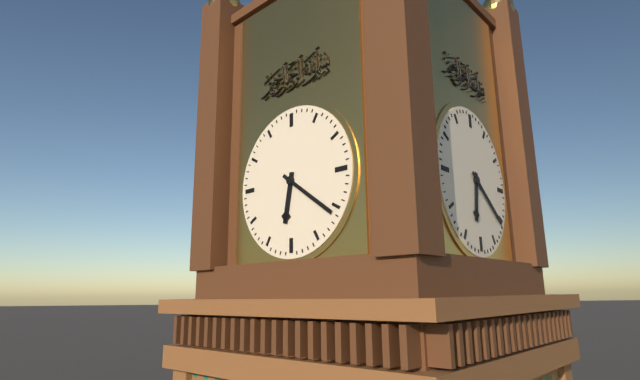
6,21
